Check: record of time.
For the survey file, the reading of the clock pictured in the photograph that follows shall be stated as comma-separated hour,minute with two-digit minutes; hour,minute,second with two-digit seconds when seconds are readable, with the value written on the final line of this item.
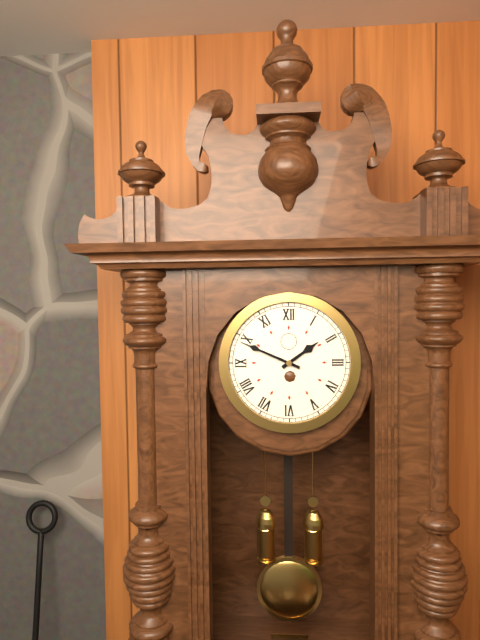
1,49
